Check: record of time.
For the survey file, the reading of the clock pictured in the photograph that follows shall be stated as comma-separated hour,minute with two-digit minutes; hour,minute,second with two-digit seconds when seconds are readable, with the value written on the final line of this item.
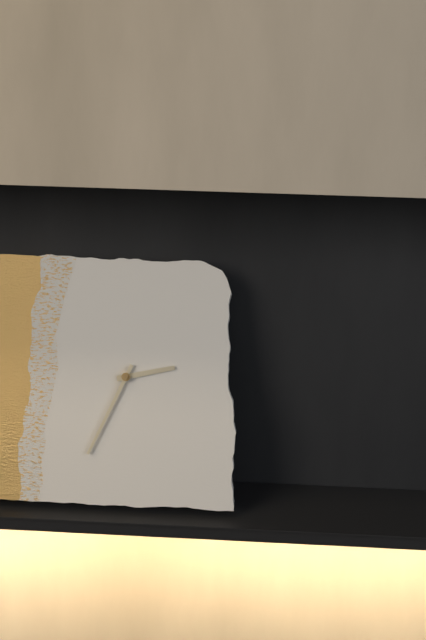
2,34
